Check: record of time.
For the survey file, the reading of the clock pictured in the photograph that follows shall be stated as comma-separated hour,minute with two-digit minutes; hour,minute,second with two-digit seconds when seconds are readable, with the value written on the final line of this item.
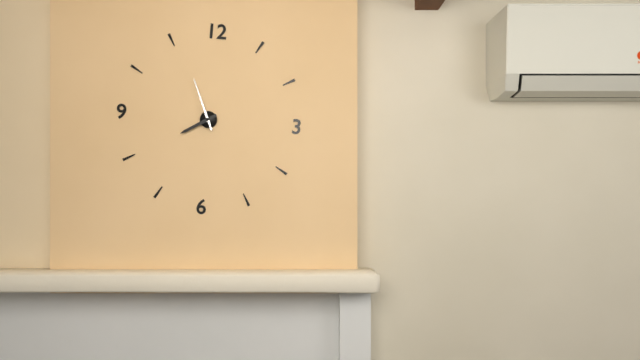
7,56
